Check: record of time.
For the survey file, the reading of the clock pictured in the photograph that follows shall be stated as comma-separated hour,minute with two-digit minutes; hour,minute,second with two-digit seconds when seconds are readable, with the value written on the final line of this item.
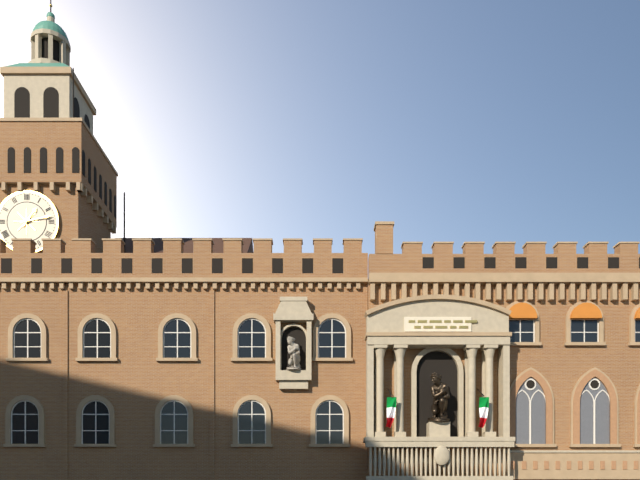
1,13
